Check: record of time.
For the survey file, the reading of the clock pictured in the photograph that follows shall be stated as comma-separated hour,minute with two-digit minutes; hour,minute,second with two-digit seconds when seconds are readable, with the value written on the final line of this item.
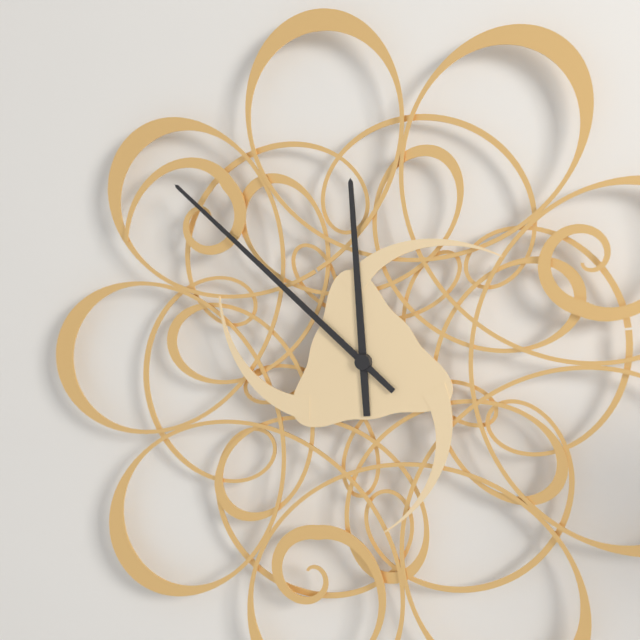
11,52
